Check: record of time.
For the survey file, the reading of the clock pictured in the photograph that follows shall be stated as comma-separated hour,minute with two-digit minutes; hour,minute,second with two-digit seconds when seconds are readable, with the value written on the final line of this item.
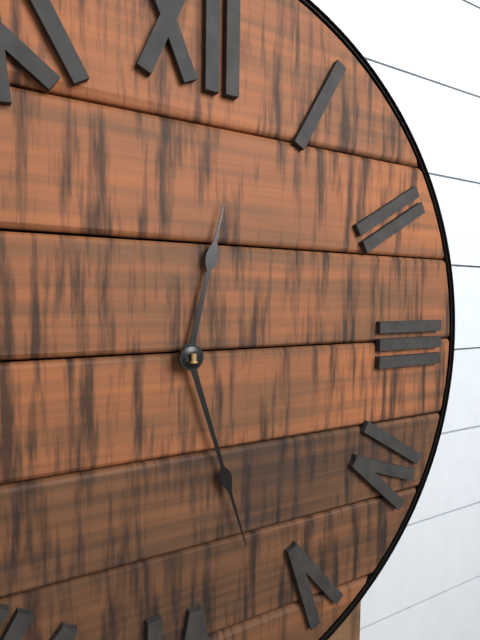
12,27
